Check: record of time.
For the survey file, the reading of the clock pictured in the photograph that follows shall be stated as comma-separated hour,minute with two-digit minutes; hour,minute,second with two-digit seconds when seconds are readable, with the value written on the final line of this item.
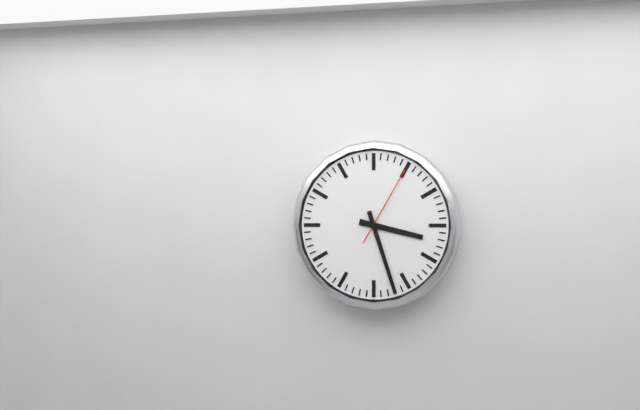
3,27,05
